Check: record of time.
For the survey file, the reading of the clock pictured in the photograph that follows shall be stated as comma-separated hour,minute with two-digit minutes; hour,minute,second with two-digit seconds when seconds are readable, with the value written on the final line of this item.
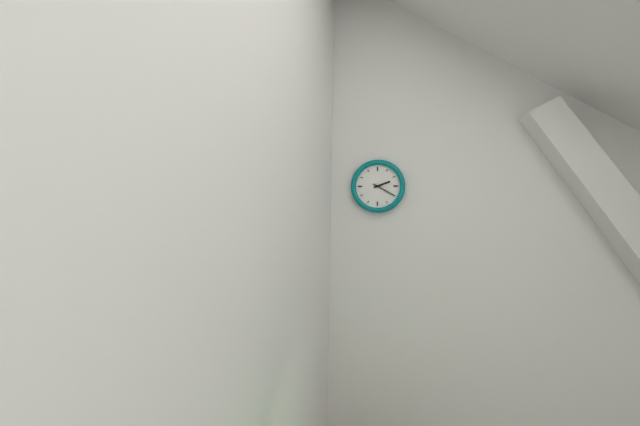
2,20
